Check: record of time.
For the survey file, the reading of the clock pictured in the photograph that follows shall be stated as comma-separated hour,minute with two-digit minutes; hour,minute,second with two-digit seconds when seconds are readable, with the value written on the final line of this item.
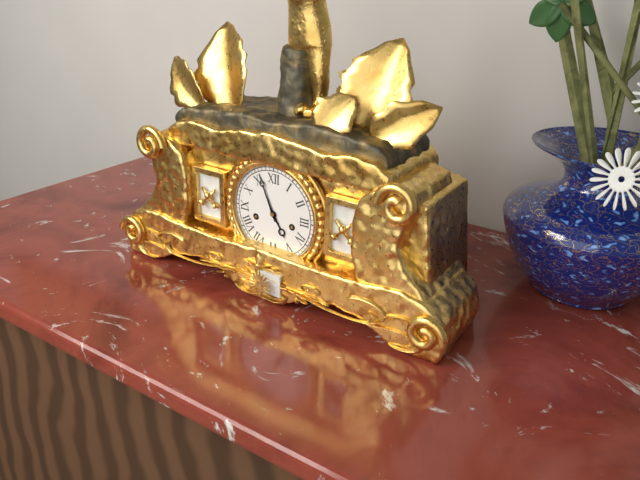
4,56
